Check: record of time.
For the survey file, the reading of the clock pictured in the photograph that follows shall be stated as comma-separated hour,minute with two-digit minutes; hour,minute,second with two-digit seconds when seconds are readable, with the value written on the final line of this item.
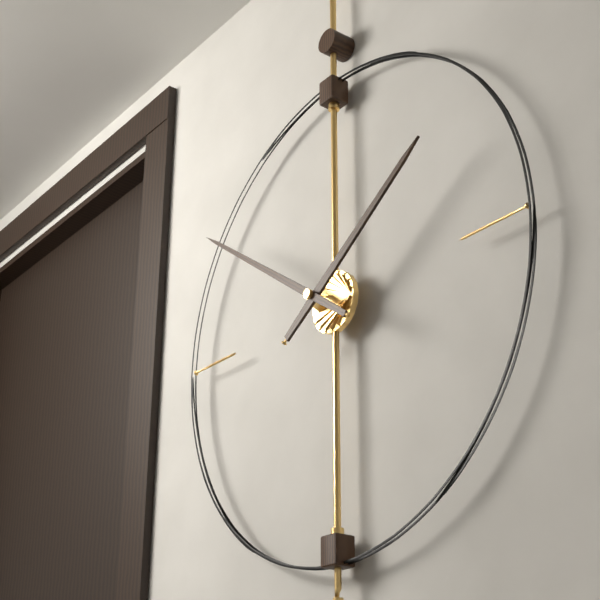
1,51
